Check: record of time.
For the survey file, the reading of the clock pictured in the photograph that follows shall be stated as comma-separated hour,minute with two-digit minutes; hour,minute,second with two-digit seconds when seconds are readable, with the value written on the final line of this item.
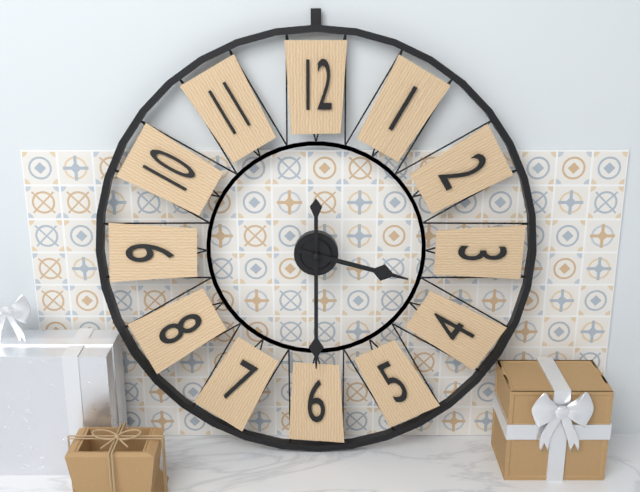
3,30
